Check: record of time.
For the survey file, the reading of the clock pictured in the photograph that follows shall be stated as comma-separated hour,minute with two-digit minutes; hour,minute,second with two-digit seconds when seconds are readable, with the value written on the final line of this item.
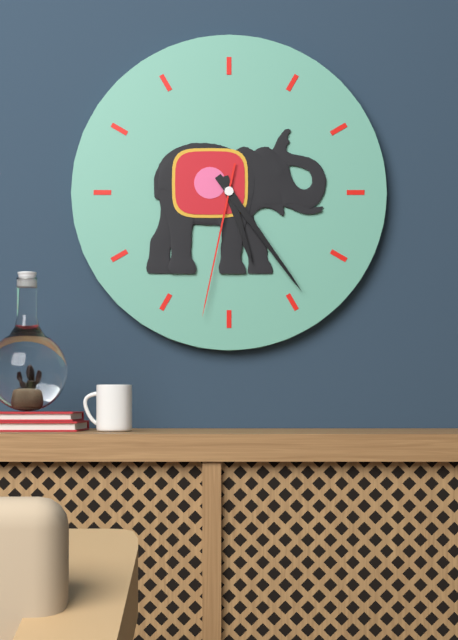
5,24,32
